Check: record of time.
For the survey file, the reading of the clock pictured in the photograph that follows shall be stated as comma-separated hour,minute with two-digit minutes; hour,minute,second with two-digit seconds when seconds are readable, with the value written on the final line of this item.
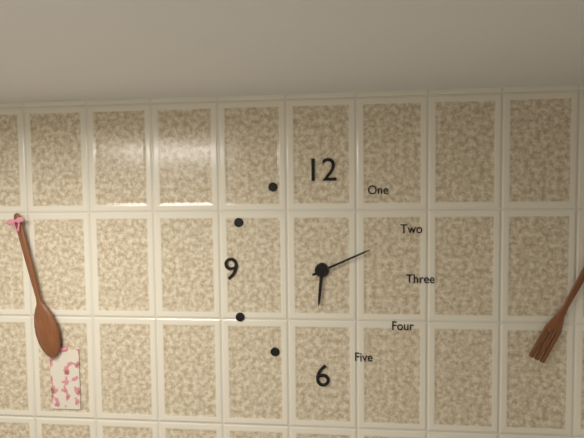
6,11
